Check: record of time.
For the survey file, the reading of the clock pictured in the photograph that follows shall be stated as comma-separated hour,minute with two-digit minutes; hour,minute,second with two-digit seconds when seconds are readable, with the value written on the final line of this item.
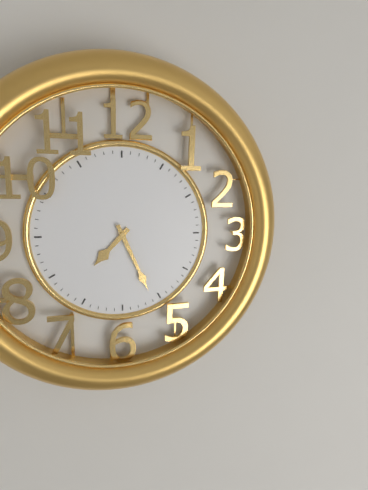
7,26
